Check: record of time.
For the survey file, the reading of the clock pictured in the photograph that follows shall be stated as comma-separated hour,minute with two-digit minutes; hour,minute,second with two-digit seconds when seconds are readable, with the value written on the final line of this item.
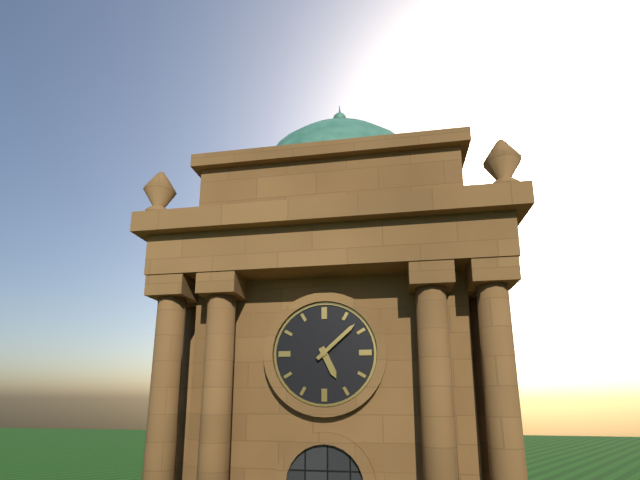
5,08
